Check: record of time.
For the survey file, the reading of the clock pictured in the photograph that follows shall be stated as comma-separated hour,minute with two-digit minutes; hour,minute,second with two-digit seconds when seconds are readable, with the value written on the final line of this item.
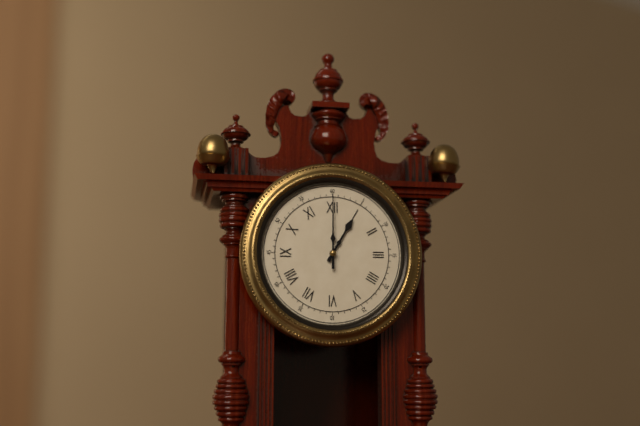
1,00
